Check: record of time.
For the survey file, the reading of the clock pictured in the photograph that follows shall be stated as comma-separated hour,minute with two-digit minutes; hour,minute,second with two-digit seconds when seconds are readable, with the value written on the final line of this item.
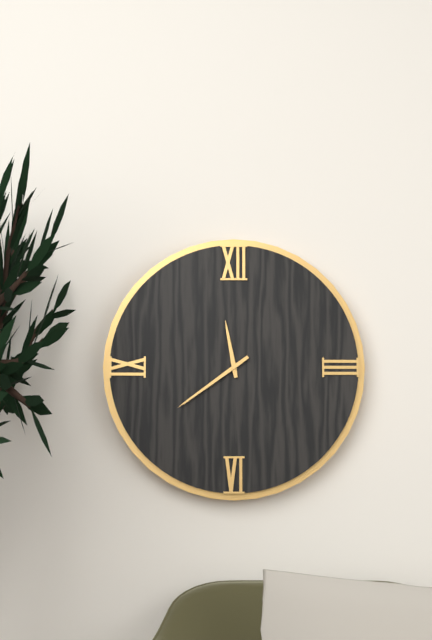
11,39
